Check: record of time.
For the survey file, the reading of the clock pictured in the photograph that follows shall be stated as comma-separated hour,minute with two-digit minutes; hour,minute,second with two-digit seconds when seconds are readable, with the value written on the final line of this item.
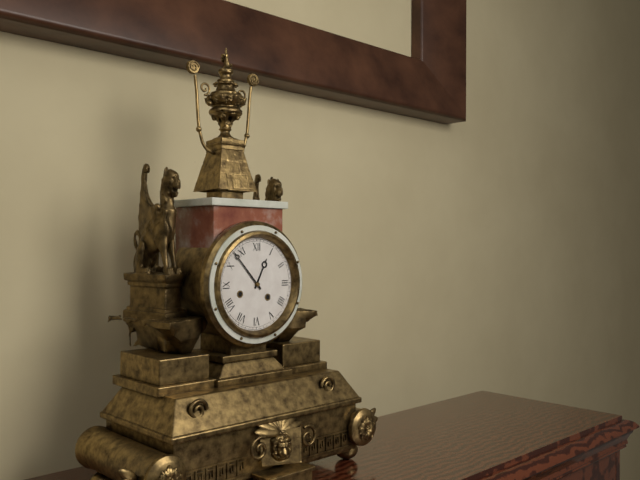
12,53
